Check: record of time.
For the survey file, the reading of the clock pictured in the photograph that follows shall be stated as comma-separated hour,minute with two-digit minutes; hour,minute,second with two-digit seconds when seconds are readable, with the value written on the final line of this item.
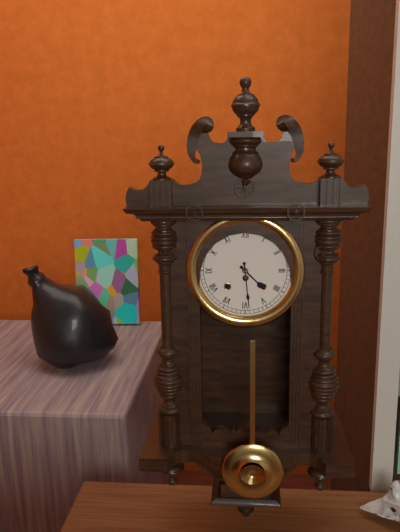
4,29
